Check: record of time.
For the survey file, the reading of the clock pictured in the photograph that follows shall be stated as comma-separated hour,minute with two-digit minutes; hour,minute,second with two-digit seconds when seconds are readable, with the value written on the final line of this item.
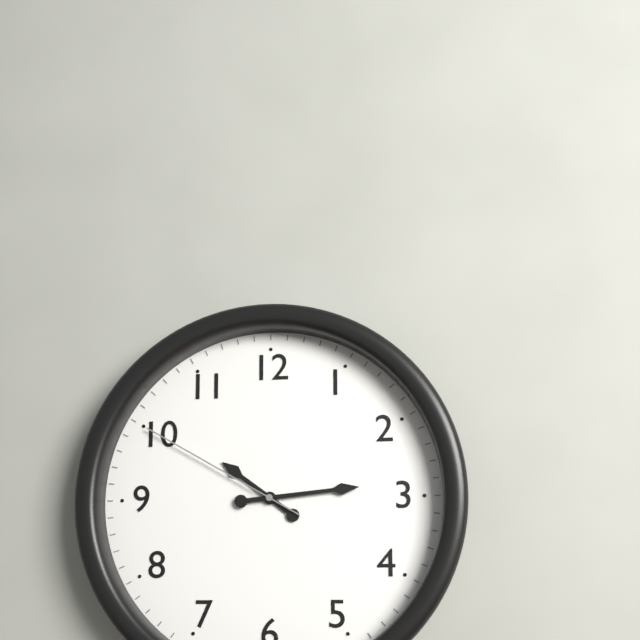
10,14,50
